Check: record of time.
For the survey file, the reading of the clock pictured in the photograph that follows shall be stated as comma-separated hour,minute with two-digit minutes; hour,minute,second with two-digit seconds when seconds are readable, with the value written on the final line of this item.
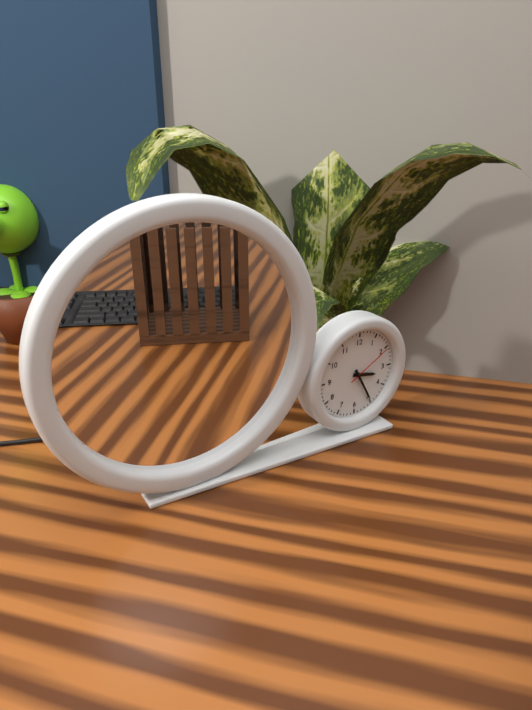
3,25,10
